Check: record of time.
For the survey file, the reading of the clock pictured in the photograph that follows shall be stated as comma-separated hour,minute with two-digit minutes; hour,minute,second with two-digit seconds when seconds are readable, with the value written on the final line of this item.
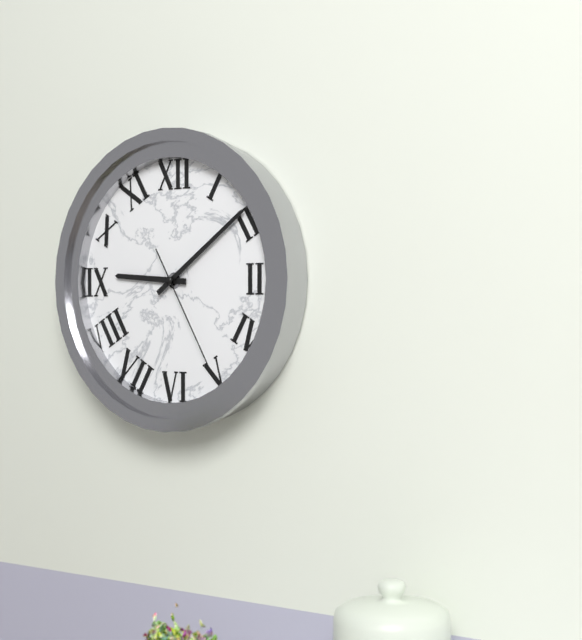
9,09,25
